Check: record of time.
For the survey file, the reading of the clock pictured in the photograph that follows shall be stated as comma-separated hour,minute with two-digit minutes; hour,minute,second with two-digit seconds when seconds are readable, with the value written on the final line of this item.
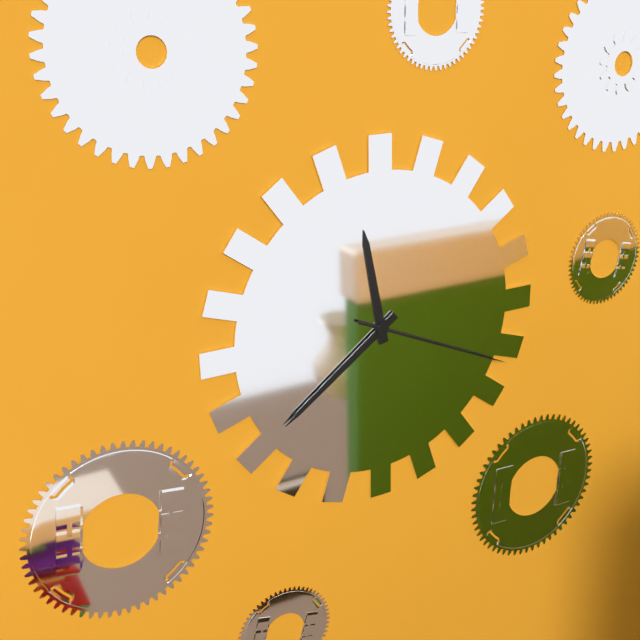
11,39,19
